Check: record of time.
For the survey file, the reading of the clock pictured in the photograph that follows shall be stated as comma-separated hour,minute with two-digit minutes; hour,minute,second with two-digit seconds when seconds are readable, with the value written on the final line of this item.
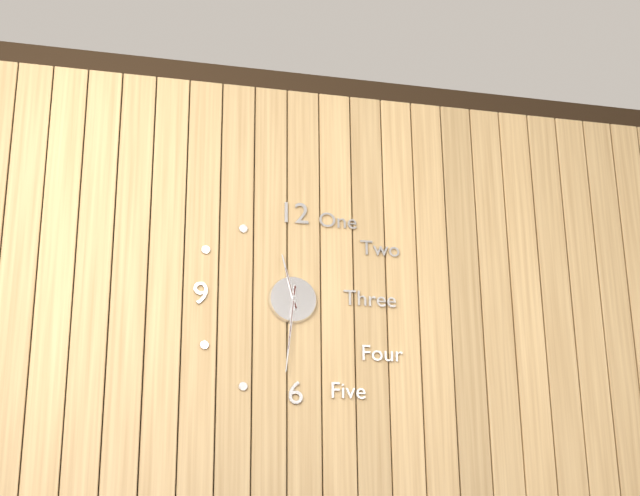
11,31
